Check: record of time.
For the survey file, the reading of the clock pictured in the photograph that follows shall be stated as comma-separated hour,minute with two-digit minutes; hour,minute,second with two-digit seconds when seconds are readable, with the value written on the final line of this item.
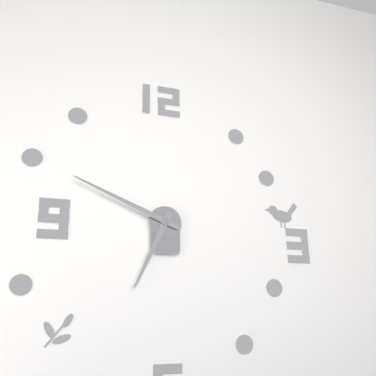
6,49
